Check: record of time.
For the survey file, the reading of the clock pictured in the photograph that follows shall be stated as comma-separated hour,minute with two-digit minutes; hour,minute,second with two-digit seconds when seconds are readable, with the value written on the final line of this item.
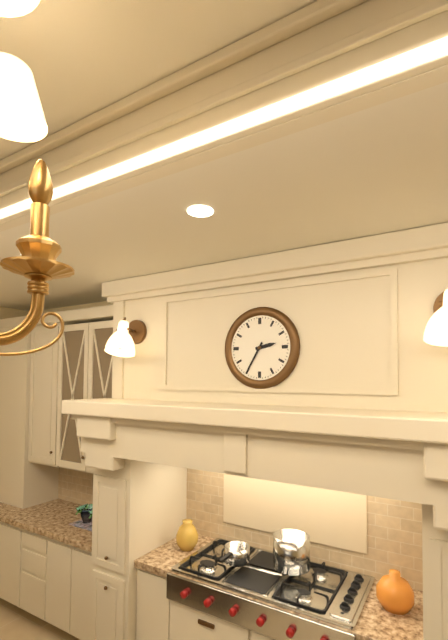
2,35
